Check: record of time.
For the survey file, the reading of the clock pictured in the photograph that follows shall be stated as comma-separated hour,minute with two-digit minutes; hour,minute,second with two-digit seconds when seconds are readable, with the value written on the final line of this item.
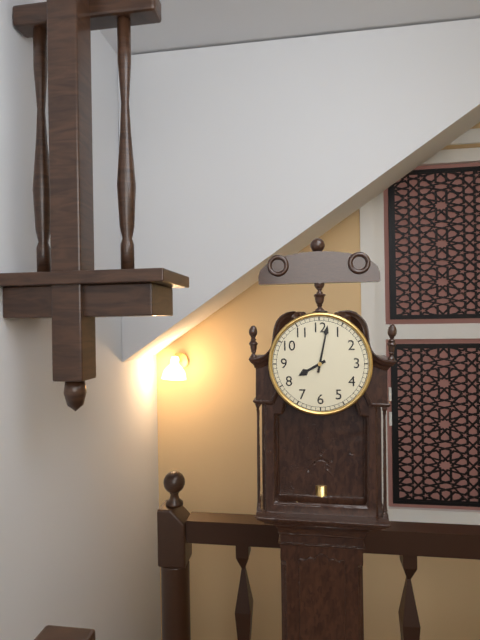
8,02
